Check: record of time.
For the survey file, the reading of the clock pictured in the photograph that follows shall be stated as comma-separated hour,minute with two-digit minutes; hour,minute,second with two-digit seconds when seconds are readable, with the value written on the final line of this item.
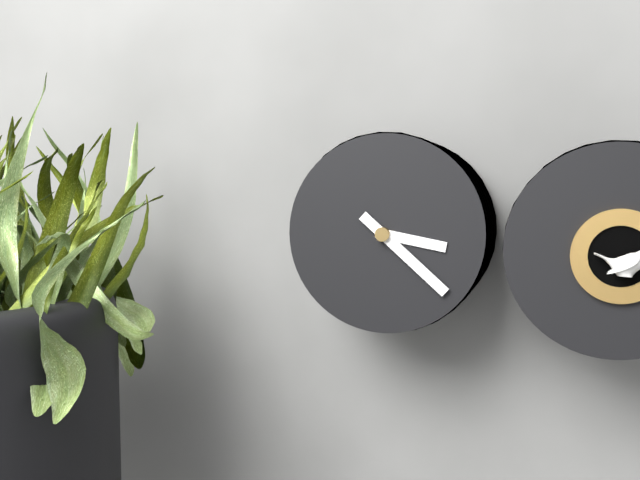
3,22
